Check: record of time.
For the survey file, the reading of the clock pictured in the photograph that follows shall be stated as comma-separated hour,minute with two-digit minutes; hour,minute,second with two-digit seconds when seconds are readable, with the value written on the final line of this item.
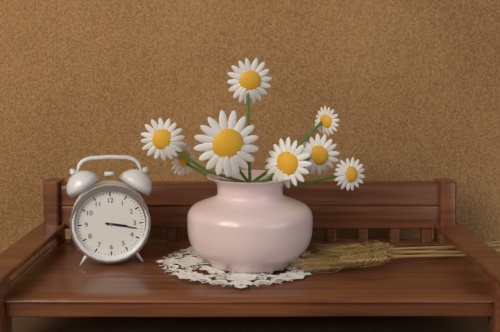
3,17
